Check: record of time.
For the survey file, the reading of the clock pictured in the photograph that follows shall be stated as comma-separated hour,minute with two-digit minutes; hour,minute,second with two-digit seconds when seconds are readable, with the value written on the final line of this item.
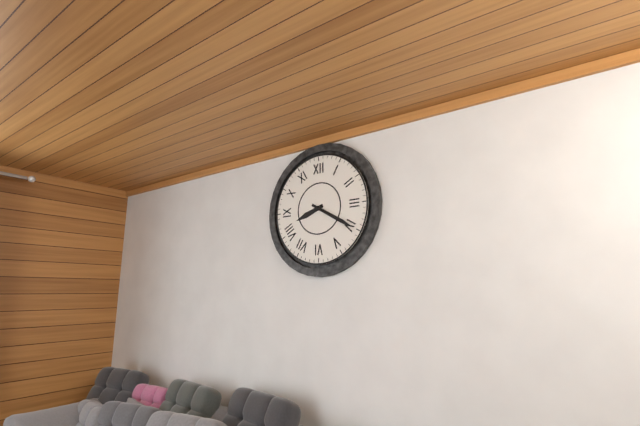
8,20
